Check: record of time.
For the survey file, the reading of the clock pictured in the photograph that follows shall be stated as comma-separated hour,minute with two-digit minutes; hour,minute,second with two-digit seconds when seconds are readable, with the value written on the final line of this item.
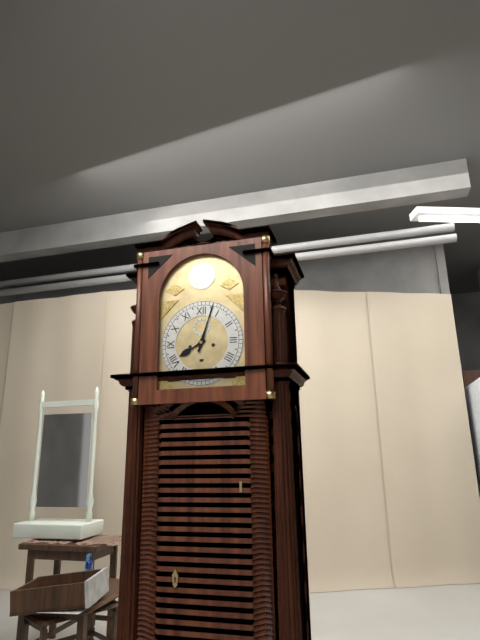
8,03
